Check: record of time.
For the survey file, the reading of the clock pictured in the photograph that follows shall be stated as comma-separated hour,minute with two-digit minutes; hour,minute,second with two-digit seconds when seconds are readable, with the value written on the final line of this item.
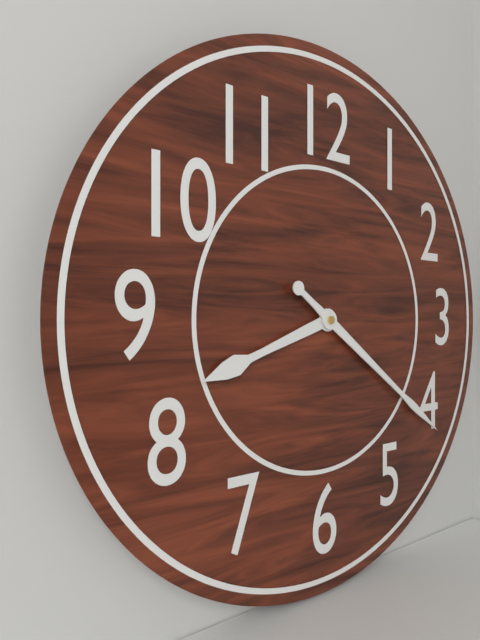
8,21
